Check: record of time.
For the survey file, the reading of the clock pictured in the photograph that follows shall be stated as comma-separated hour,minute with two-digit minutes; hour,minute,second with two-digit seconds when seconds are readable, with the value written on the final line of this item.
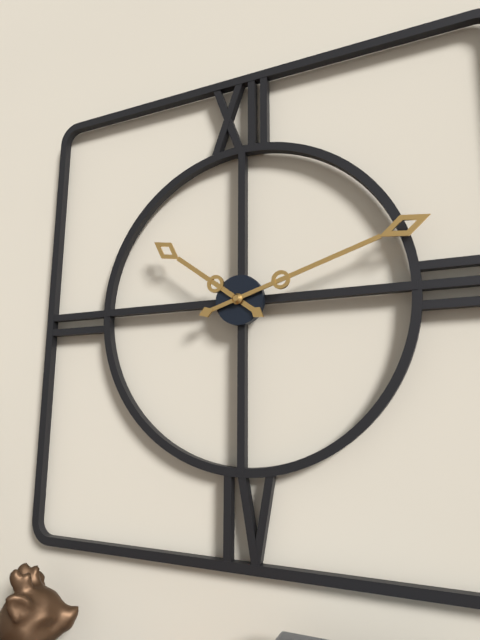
10,12
